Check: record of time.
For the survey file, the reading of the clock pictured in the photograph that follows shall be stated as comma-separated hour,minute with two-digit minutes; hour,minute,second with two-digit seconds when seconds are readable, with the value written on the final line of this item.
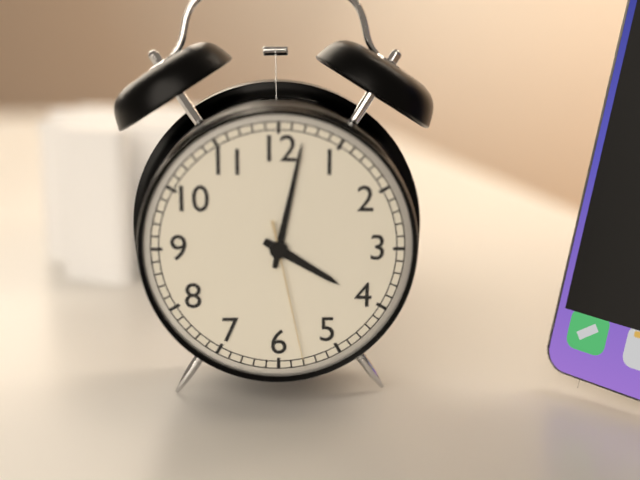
4,02,28
